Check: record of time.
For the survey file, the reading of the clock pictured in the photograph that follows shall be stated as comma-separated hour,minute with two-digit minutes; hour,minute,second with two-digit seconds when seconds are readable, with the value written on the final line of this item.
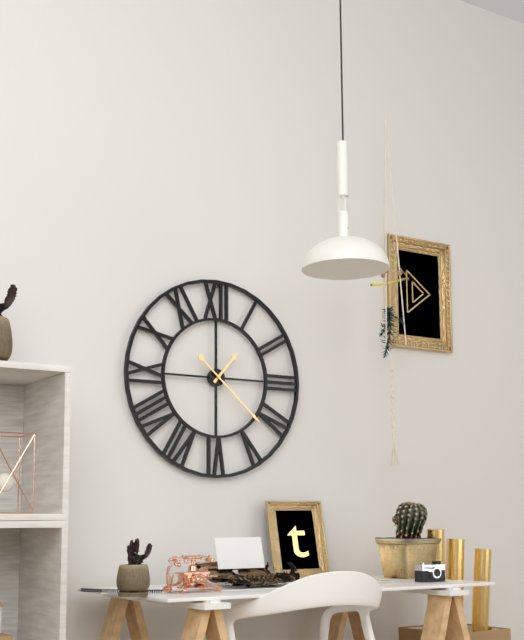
1,22
